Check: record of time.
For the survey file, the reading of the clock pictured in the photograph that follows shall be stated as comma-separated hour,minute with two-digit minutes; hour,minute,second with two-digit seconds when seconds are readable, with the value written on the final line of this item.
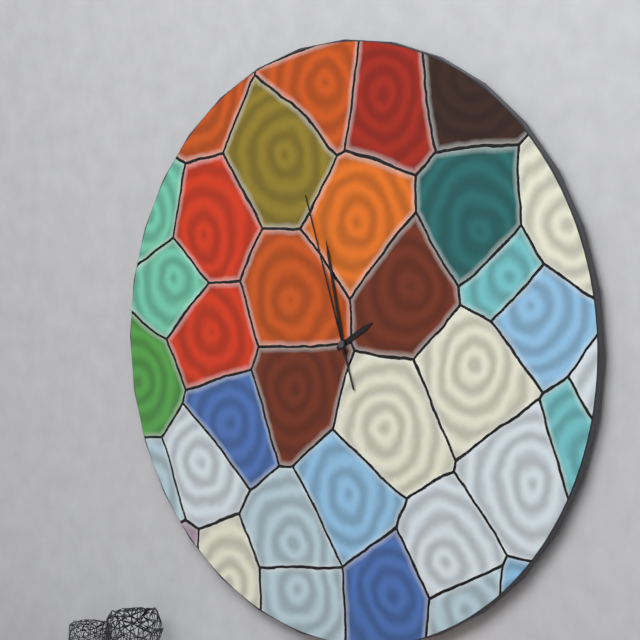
1,58,57
